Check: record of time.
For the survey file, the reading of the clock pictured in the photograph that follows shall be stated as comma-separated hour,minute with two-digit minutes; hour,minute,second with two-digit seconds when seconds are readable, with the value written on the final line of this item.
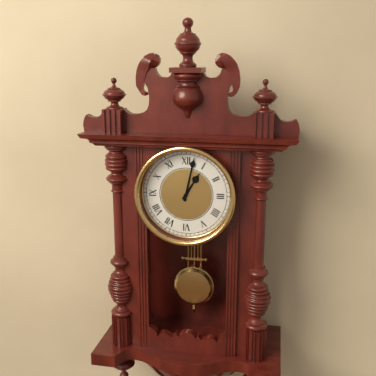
1,02
